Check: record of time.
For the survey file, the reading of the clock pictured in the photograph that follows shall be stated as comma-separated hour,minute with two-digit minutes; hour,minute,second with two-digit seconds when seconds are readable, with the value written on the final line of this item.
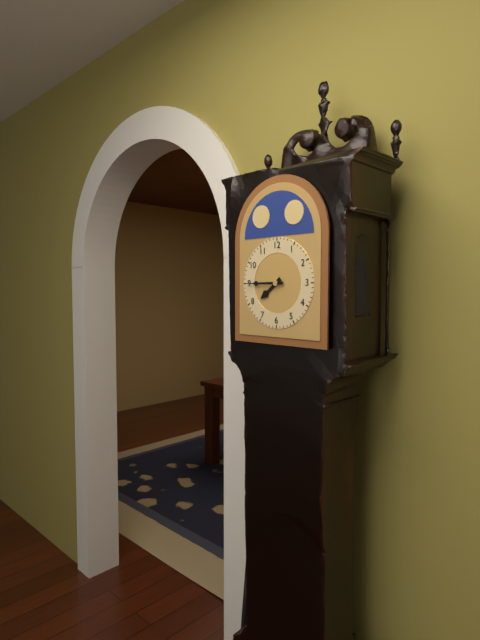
7,45
